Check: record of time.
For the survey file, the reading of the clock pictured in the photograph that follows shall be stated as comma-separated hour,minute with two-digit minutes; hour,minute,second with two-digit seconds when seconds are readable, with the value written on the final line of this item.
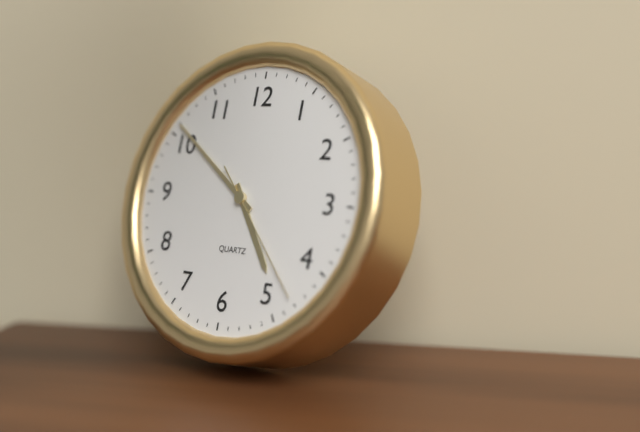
4,51,23
